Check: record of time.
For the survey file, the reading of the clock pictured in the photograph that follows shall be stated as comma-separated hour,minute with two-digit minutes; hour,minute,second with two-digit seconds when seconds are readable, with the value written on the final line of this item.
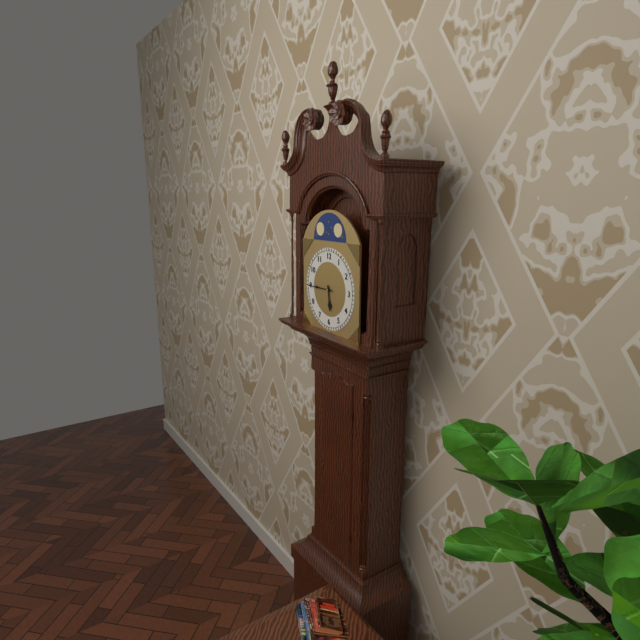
5,45
